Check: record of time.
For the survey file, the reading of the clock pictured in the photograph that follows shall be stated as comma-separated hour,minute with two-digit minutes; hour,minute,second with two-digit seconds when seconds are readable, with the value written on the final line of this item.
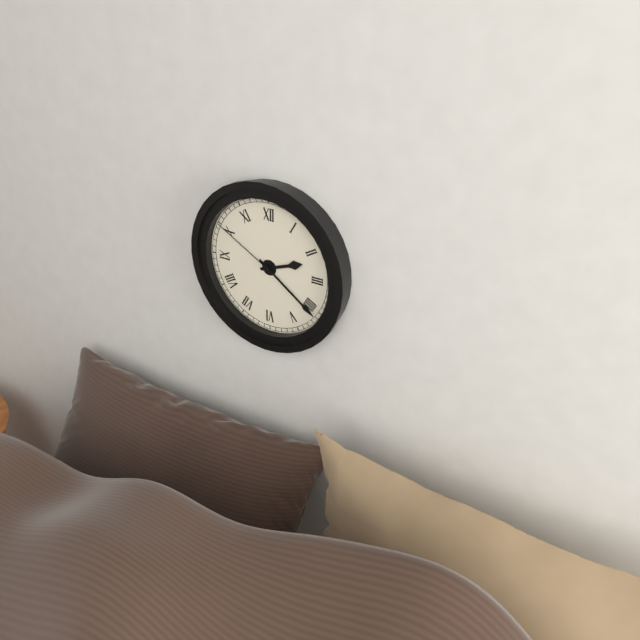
2,21,50
